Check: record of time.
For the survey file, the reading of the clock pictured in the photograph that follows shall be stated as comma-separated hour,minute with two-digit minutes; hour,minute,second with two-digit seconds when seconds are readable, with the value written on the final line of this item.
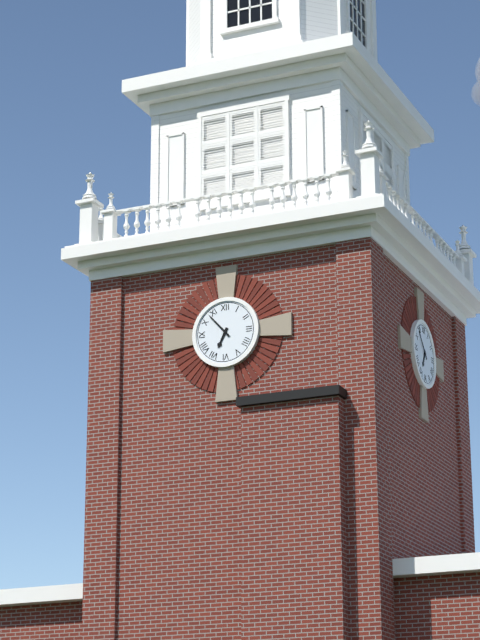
6,53
